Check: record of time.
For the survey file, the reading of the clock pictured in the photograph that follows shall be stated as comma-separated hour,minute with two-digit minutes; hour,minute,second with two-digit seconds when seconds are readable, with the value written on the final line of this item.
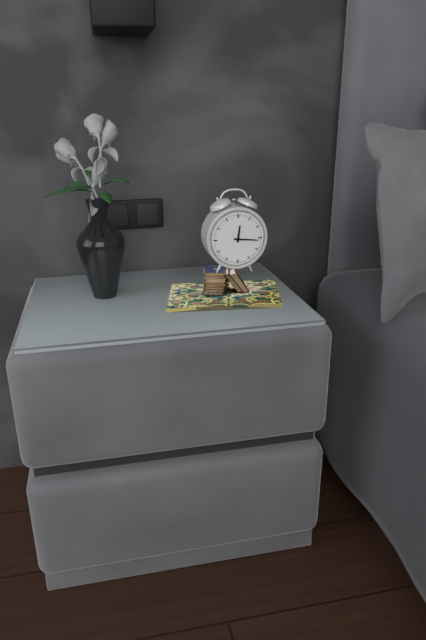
12,16
